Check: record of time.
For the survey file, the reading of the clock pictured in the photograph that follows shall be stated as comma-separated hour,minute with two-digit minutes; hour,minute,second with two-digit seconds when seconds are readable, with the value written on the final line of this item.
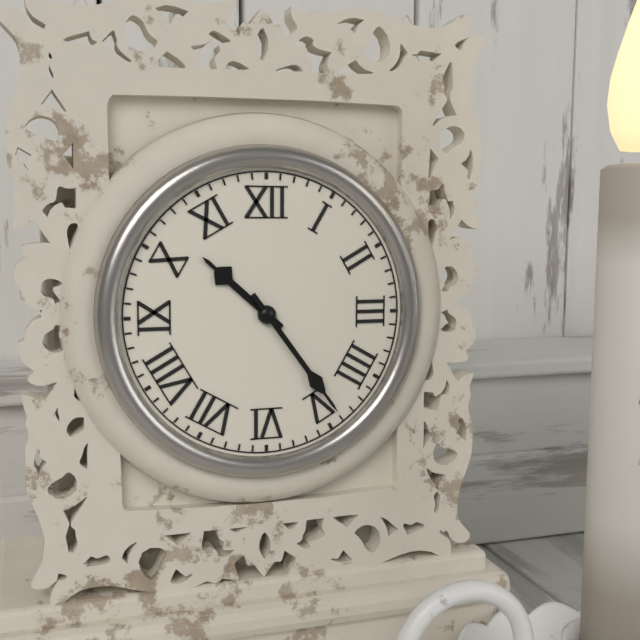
10,24
